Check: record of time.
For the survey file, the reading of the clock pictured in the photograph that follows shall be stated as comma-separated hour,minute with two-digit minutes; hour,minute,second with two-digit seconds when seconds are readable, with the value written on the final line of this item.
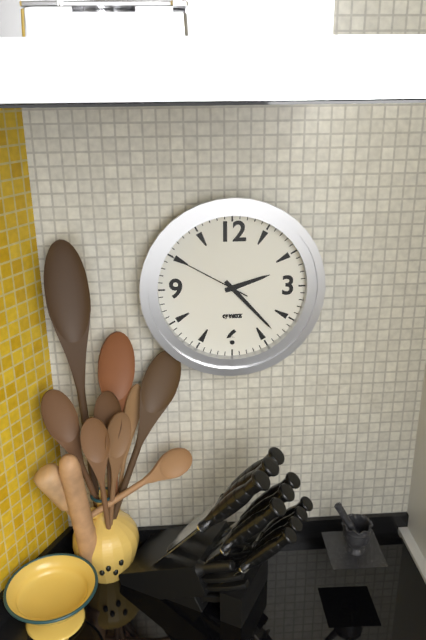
2,23,50
